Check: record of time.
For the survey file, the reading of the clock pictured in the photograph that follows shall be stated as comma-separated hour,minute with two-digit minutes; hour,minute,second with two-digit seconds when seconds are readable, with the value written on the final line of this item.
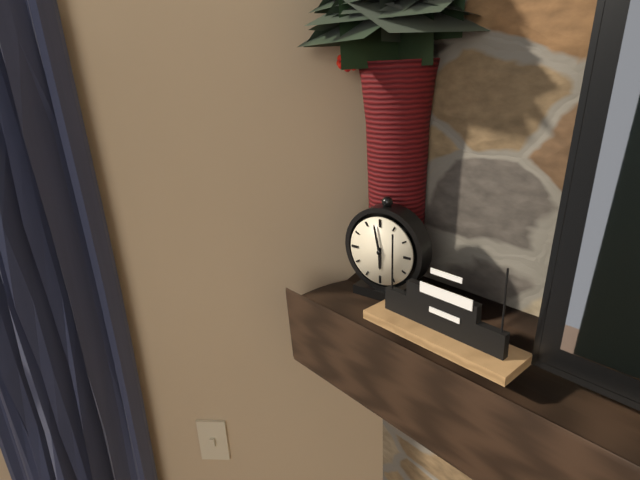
5,58
